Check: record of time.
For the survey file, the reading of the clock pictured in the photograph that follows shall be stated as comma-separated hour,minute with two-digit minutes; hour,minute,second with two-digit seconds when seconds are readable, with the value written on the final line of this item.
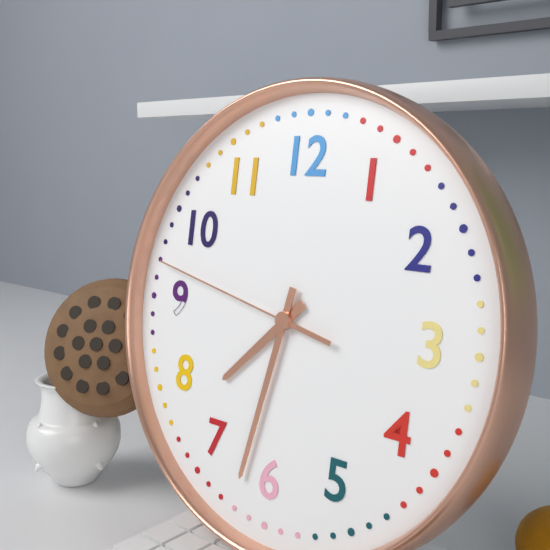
7,32,47
